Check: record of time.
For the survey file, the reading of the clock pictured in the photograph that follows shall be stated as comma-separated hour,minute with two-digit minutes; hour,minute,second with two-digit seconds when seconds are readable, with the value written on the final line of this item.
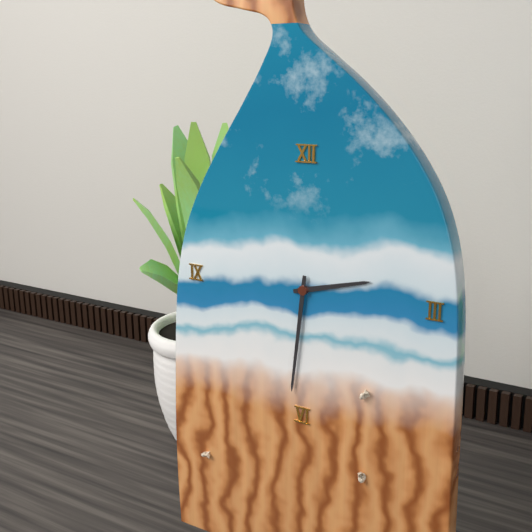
2,31
